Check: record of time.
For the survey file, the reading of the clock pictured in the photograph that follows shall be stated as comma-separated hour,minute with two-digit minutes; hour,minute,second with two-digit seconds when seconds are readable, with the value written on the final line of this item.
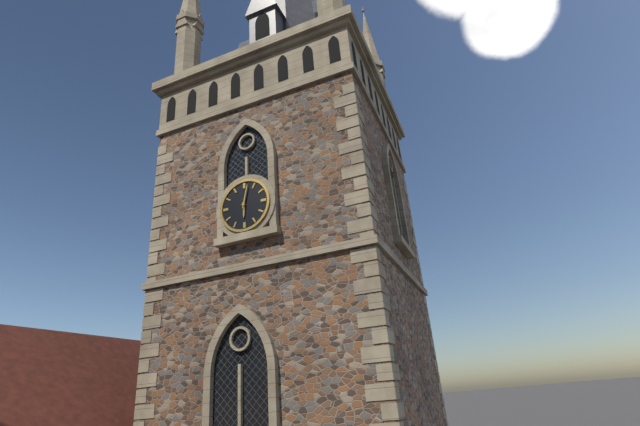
6,02
